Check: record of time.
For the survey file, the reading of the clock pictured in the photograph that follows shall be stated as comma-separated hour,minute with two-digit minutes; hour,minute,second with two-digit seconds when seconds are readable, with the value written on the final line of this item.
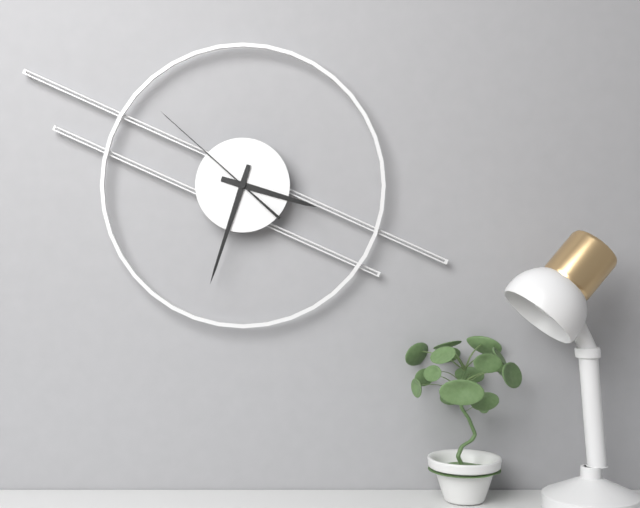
3,33,52
